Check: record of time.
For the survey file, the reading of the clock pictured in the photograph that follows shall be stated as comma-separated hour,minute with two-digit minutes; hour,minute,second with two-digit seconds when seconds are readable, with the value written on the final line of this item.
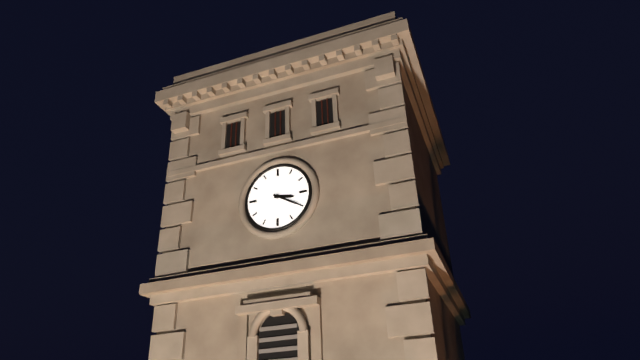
3,20
